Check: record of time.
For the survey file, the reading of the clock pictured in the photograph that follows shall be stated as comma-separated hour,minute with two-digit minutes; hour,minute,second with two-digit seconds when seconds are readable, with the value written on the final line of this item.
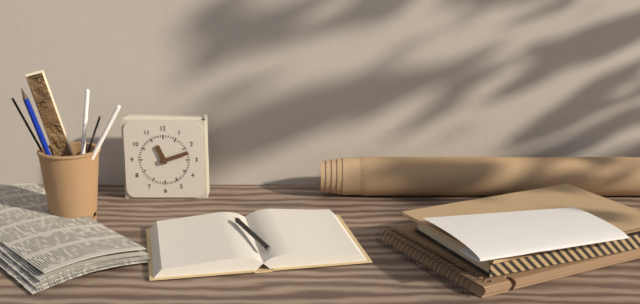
11,12
